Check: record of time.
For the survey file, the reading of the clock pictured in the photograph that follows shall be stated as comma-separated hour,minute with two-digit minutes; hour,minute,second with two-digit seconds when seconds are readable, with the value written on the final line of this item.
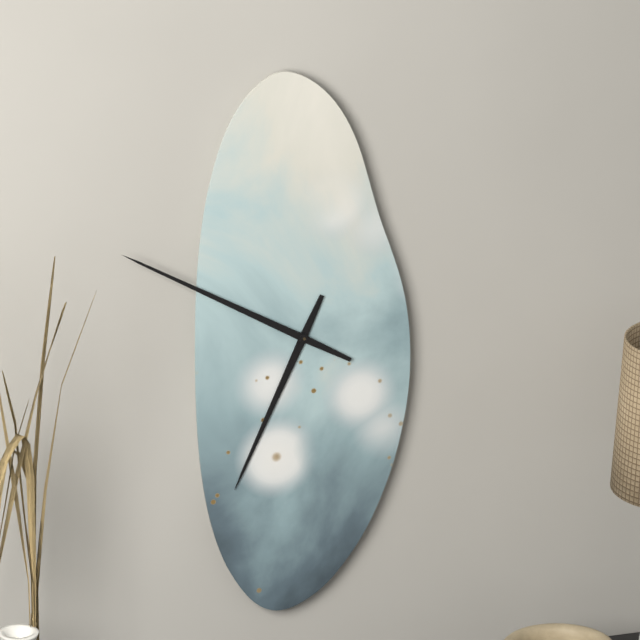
6,50
